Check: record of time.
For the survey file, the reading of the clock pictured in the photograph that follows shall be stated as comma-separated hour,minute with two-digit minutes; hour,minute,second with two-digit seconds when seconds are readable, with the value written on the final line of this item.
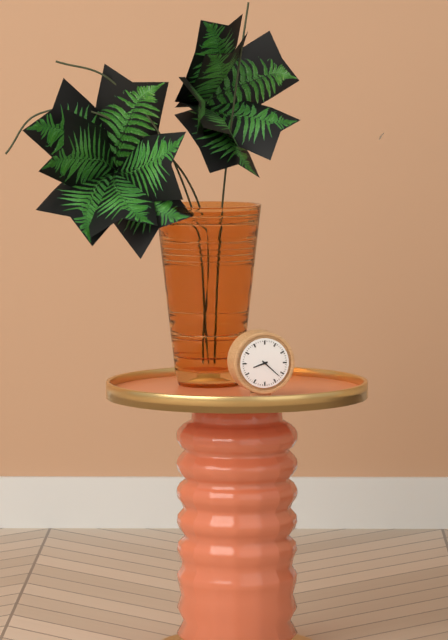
8,22
